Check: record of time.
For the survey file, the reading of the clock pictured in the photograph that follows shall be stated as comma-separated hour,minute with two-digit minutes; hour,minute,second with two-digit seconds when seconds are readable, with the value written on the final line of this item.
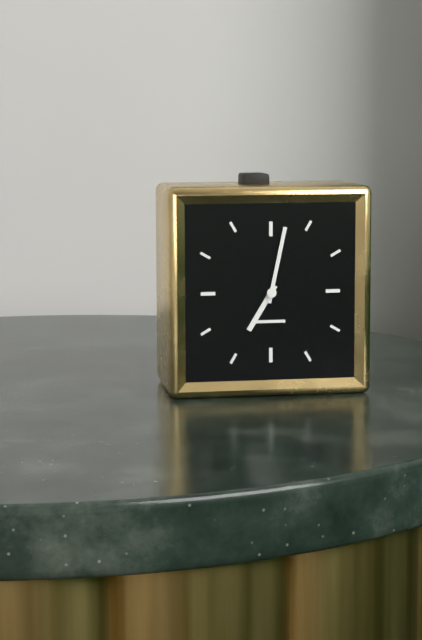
7,02
